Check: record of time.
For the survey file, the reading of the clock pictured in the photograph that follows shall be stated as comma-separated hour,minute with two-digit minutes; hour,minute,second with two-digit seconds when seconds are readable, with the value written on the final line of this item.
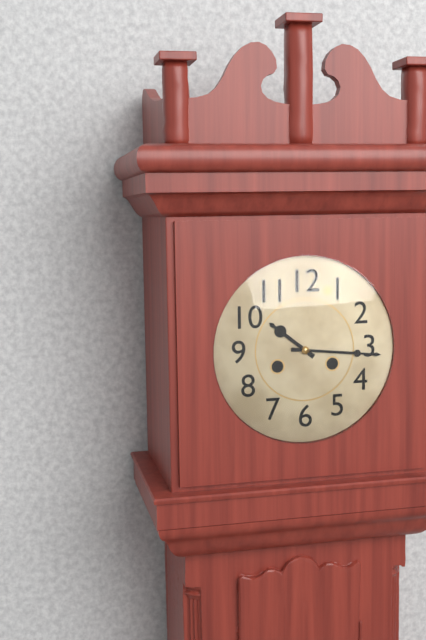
10,16
